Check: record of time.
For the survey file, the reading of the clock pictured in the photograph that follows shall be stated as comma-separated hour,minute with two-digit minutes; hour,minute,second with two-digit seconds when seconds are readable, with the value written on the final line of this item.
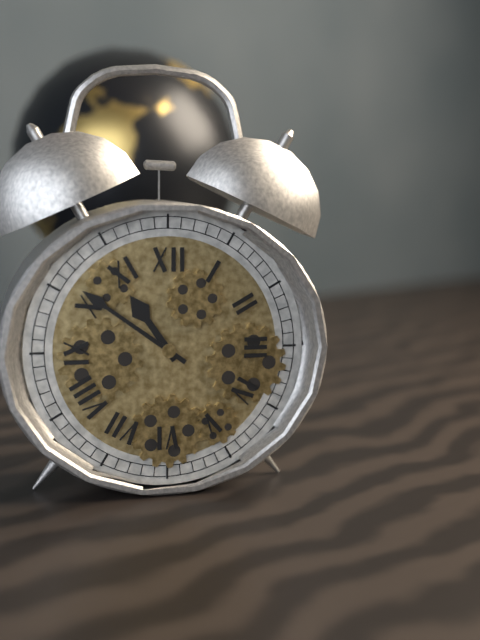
10,51
